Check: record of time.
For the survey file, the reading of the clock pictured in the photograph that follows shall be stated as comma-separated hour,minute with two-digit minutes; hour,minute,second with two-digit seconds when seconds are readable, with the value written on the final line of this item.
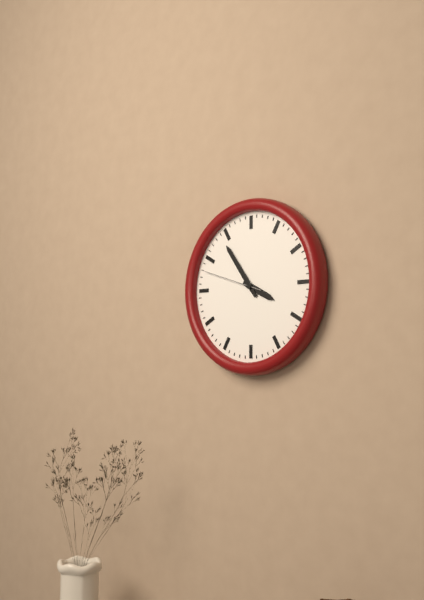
3,54,48
